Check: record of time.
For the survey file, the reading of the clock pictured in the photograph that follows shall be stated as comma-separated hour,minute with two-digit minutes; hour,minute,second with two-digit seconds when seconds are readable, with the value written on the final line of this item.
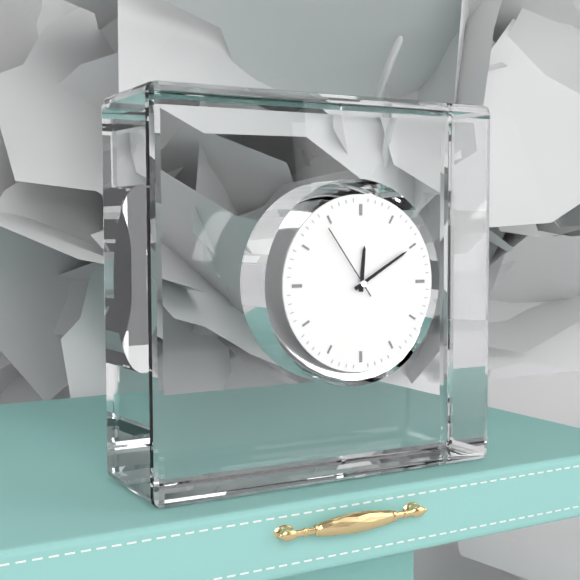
12,10,54
